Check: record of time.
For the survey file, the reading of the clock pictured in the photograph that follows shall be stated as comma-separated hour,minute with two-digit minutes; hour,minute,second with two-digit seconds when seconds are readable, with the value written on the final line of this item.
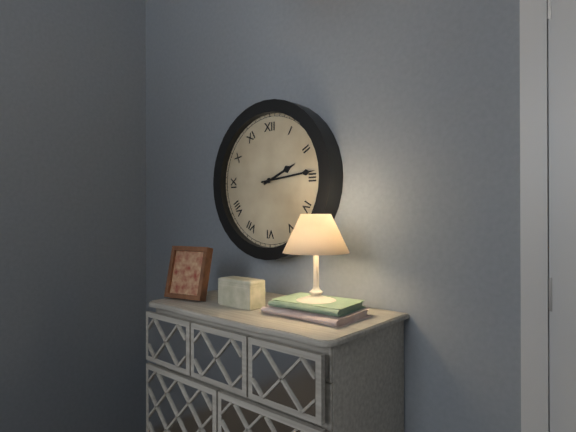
2,14
